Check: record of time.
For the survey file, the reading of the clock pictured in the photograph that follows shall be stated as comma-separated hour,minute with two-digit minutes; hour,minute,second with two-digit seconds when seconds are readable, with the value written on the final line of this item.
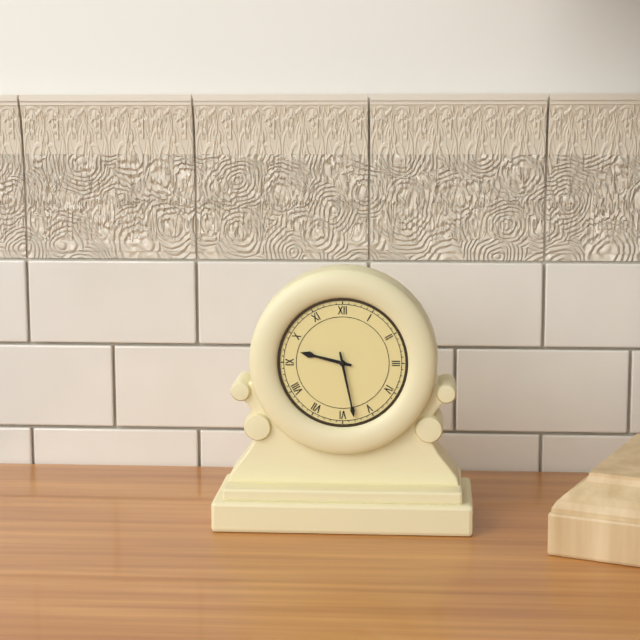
9,28
